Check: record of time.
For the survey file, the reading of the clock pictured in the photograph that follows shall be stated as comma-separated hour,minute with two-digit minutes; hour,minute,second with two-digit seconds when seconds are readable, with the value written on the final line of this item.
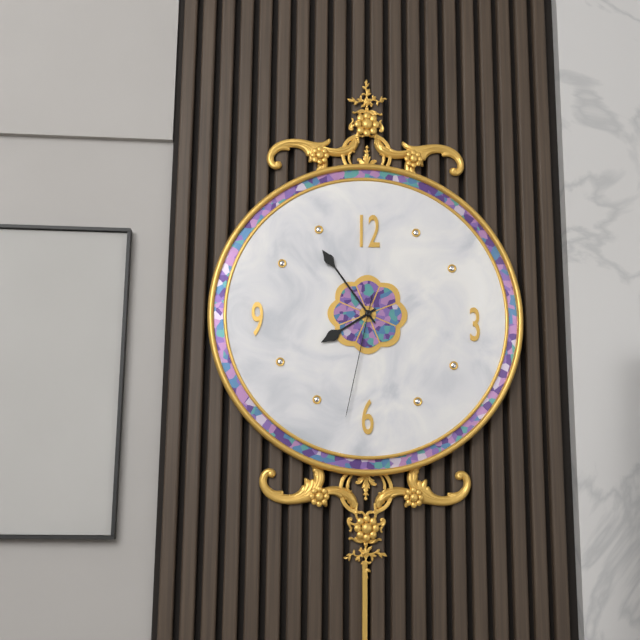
7,54,32
